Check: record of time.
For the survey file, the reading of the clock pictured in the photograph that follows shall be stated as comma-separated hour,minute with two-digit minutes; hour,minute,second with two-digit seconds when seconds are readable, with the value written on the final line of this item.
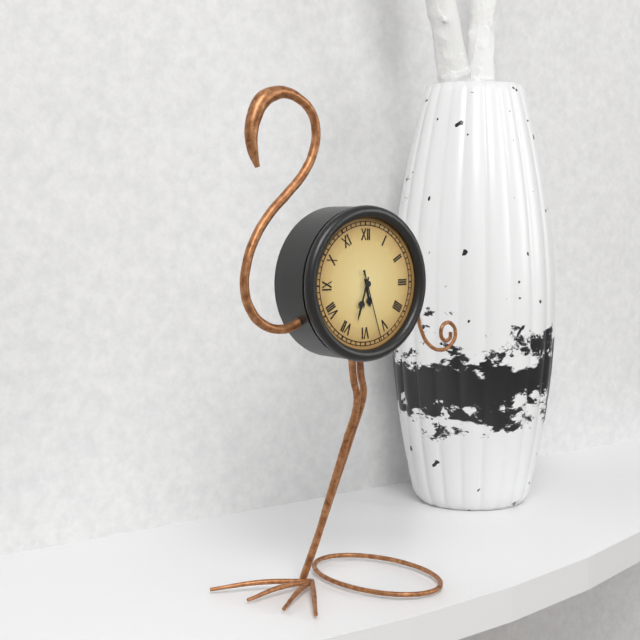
5,33,27
